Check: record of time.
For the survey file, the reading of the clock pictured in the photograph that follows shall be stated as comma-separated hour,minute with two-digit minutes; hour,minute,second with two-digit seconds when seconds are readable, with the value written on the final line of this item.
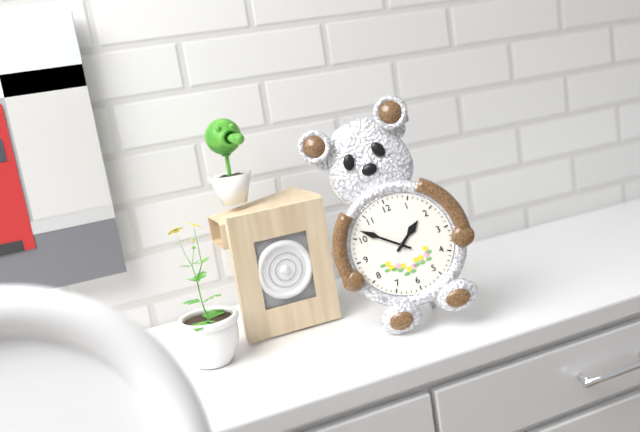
1,52
